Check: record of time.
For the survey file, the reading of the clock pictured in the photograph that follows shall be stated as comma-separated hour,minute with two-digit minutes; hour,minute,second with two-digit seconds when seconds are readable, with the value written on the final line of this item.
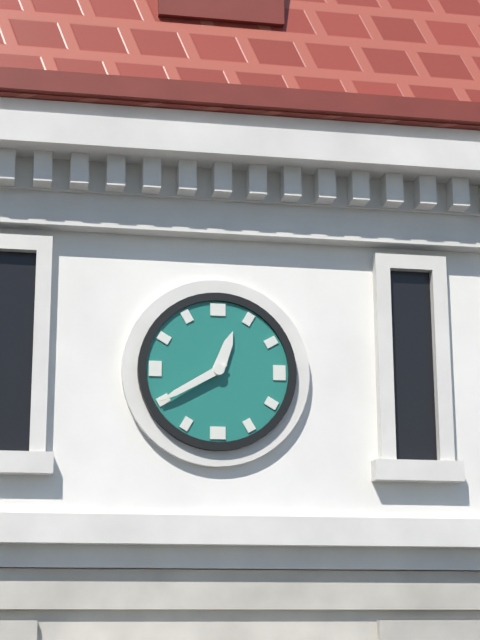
12,40
